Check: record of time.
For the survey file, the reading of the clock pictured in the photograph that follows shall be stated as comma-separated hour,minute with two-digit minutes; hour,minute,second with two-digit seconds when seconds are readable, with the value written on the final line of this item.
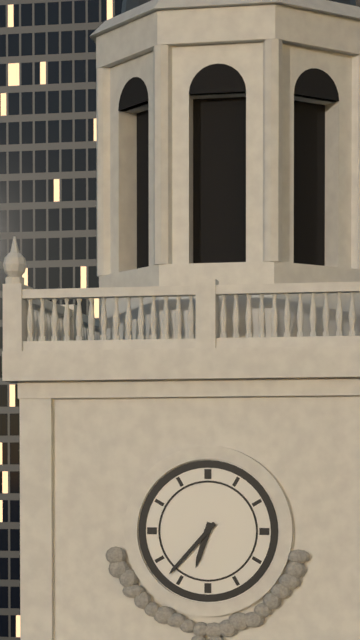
6,37
